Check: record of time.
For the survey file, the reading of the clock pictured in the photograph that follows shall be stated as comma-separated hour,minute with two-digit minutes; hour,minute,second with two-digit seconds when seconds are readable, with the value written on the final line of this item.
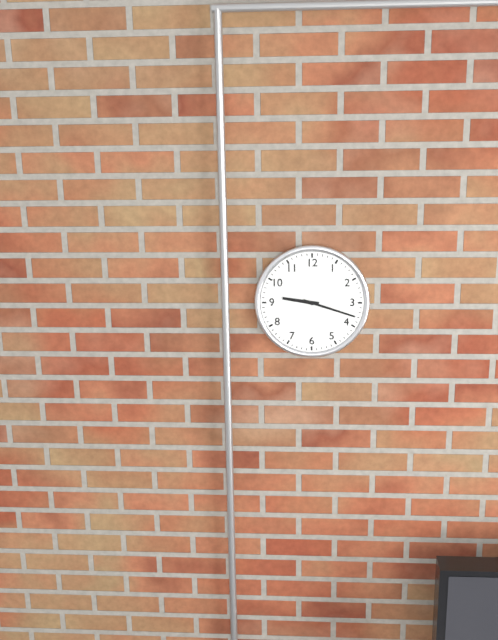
9,18
